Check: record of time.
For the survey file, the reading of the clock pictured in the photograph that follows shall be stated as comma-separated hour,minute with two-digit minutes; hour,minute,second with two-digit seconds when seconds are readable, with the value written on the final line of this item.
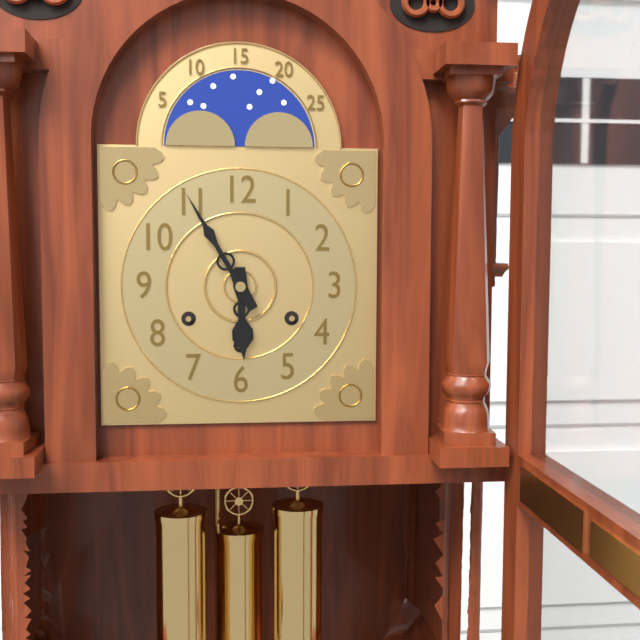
5,55
